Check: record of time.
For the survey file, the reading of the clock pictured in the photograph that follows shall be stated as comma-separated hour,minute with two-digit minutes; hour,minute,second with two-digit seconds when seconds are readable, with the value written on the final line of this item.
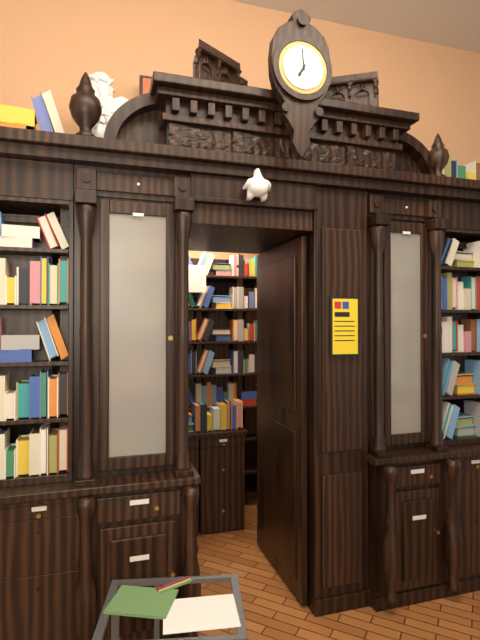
6,59
